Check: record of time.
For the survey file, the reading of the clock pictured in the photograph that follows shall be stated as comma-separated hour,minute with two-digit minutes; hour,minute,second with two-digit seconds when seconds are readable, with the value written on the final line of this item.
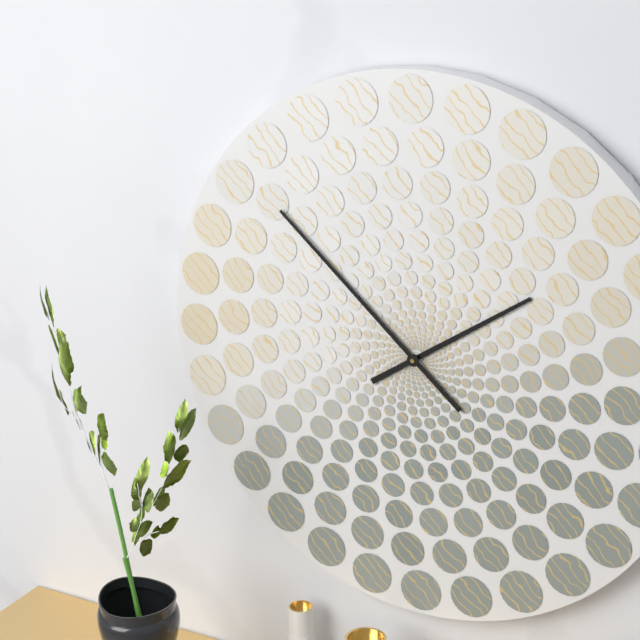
1,52
